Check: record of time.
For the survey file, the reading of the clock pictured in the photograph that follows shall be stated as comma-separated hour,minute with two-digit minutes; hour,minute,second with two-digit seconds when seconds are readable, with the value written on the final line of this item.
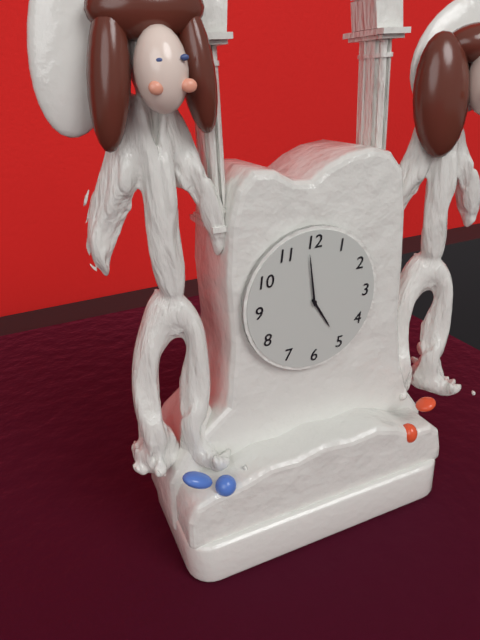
4,59
